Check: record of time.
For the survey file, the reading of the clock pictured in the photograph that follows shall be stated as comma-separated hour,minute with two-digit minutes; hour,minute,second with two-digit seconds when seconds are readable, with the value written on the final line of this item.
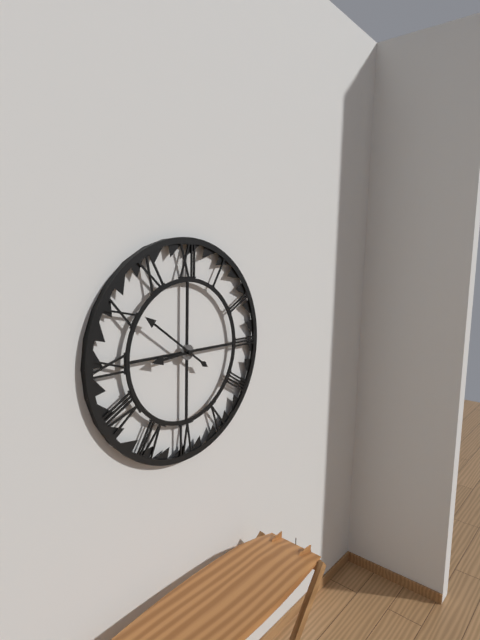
8,51
